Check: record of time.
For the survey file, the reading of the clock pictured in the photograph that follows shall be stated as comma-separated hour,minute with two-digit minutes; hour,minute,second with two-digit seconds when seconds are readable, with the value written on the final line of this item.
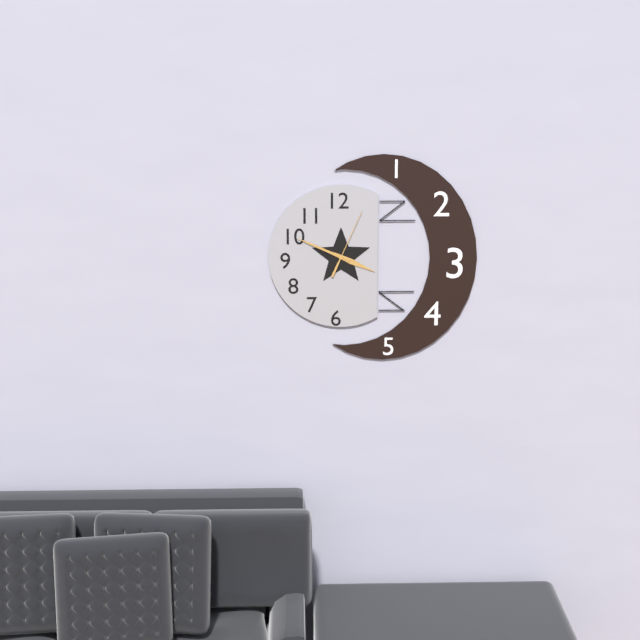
3,49,04
